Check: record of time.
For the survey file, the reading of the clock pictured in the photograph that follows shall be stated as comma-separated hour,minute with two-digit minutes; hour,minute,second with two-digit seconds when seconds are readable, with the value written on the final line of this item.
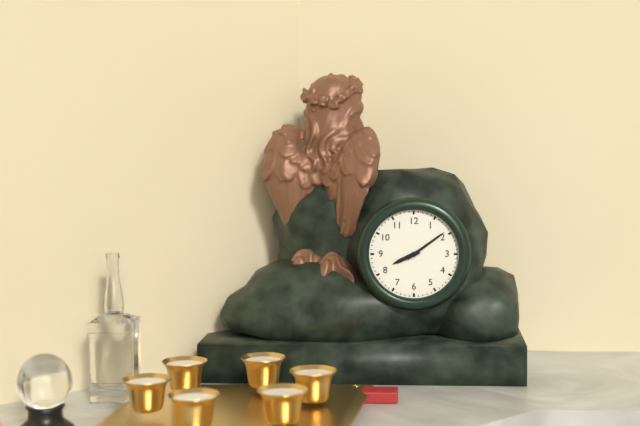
8,09
